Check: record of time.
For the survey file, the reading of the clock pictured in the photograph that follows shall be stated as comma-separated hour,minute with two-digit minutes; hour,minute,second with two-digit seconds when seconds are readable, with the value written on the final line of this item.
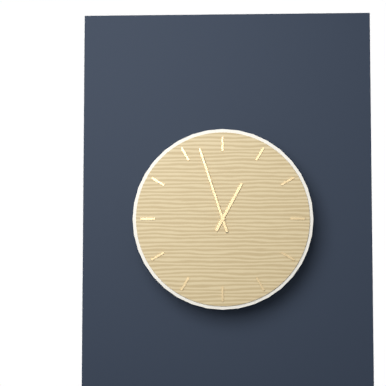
12,57
